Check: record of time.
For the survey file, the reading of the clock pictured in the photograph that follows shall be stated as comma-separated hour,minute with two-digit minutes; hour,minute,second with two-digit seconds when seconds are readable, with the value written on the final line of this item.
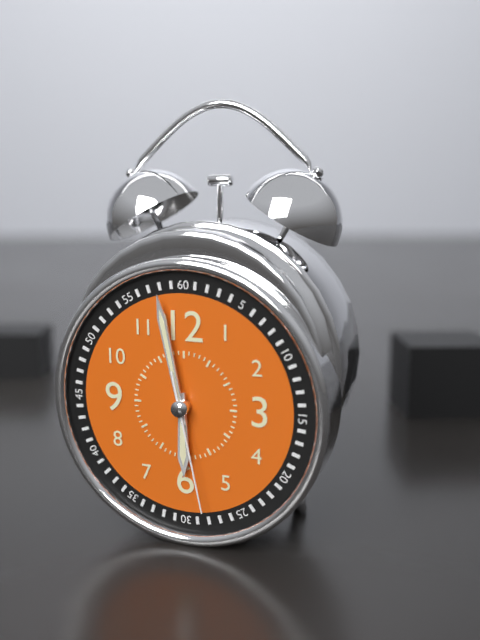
5,58,28
